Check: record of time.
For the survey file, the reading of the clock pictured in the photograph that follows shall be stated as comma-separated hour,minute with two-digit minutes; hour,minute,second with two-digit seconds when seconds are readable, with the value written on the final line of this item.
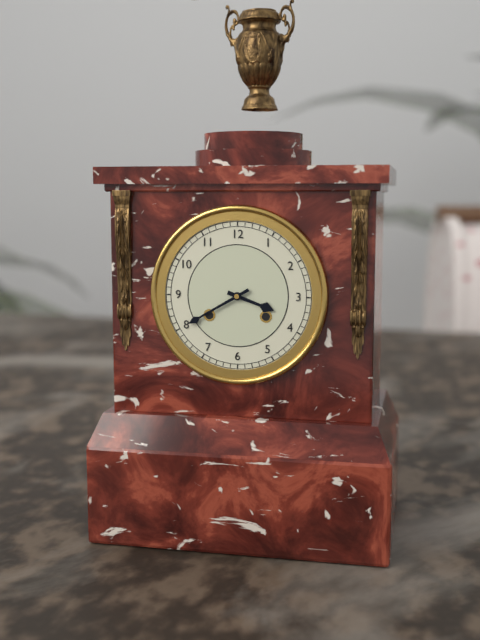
3,40
